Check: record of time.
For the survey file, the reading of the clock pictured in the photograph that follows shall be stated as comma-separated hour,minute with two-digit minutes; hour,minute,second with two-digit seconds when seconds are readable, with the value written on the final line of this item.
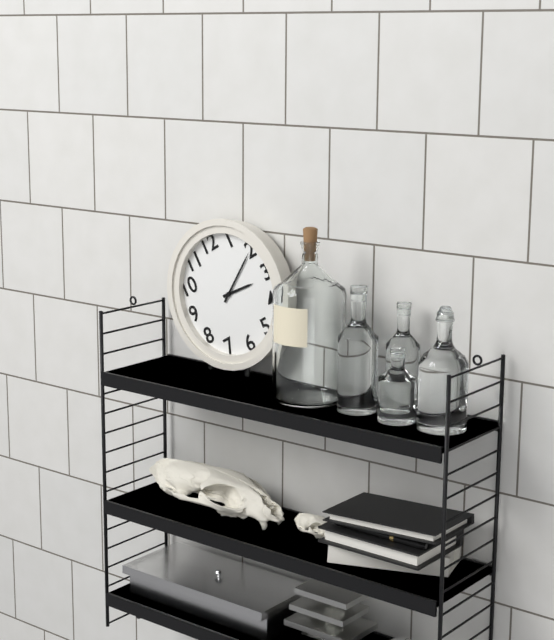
3,10
